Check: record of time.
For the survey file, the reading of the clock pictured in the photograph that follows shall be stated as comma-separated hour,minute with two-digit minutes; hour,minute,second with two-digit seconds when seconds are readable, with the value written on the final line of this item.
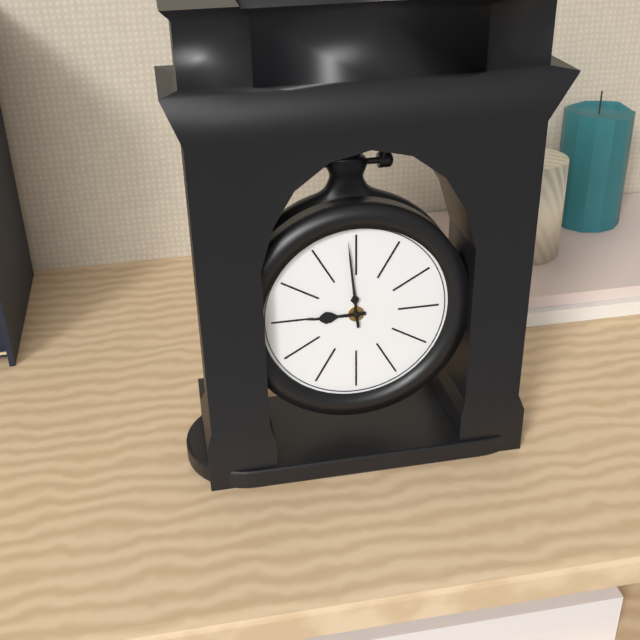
8,59
